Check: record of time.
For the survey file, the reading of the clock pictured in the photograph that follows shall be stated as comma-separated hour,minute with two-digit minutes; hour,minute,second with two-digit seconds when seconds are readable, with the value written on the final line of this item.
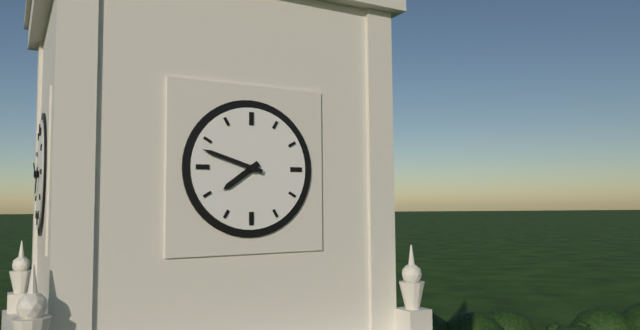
7,48
